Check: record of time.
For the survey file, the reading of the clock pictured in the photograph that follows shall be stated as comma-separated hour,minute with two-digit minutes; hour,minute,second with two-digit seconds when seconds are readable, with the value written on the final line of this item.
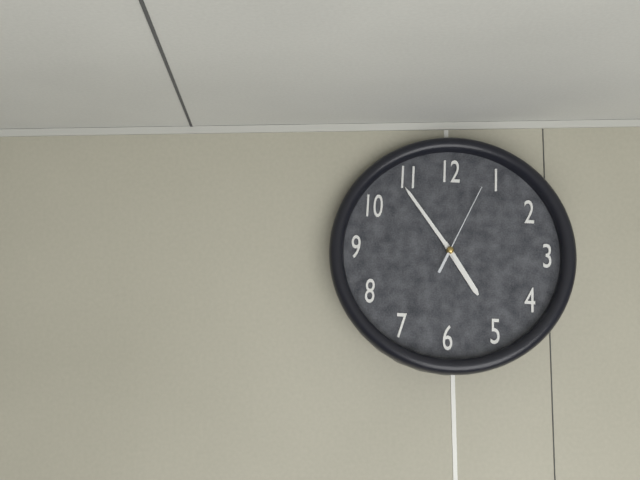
4,54,04
